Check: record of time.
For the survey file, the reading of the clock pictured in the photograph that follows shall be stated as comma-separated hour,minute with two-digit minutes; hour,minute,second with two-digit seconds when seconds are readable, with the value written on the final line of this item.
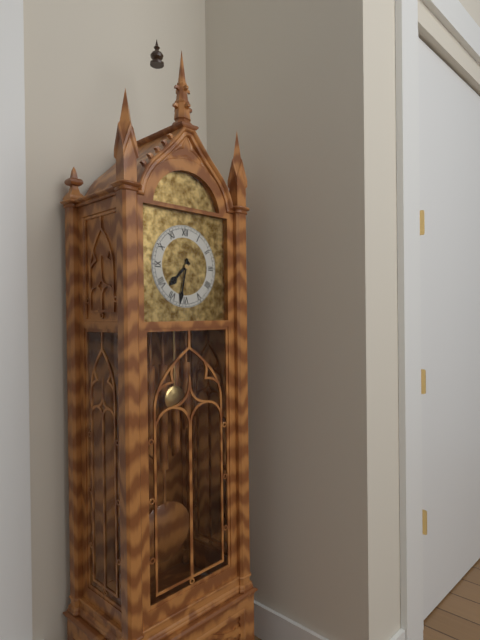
7,32
